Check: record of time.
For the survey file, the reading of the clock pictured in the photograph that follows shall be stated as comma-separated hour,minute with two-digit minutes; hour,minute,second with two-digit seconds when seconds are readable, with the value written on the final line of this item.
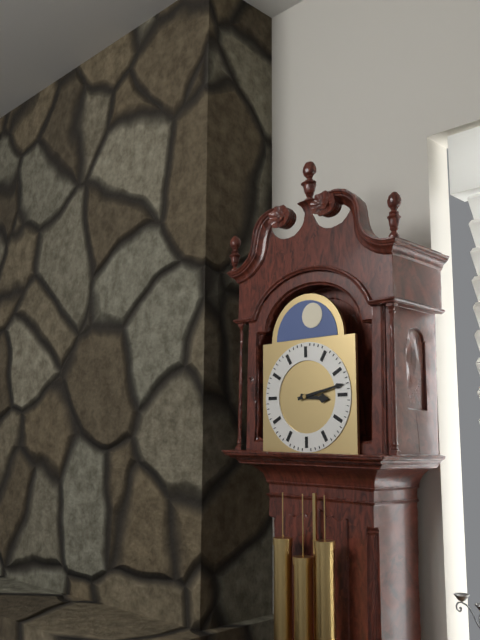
3,13
